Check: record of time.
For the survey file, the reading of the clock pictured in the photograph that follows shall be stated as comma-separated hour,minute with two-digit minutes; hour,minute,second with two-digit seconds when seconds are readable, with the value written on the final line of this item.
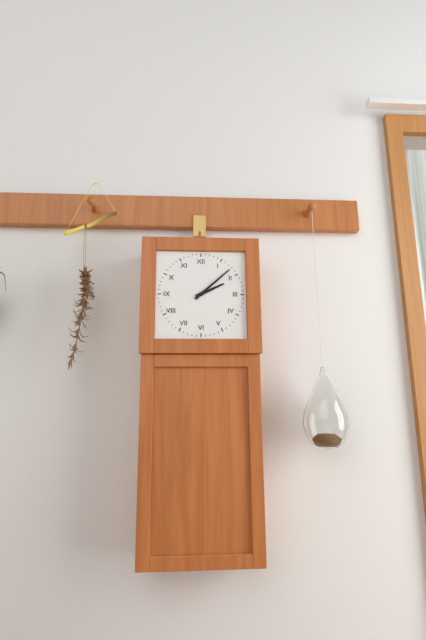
2,08
